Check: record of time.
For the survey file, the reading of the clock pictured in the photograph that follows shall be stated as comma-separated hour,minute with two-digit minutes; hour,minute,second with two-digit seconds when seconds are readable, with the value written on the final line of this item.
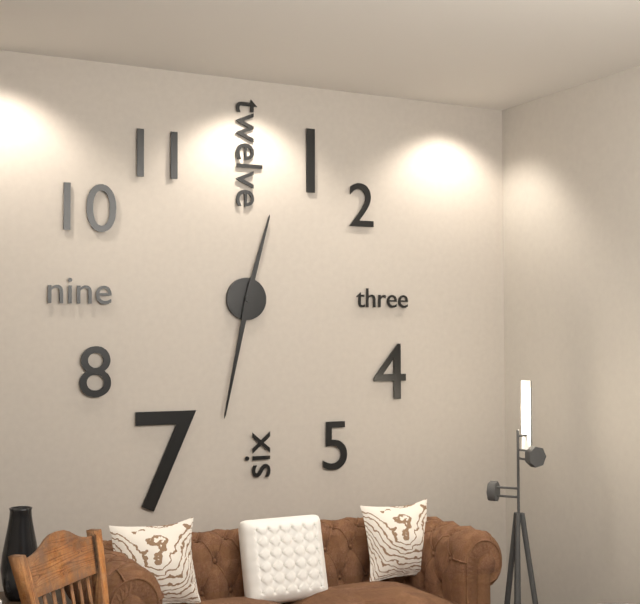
12,32
